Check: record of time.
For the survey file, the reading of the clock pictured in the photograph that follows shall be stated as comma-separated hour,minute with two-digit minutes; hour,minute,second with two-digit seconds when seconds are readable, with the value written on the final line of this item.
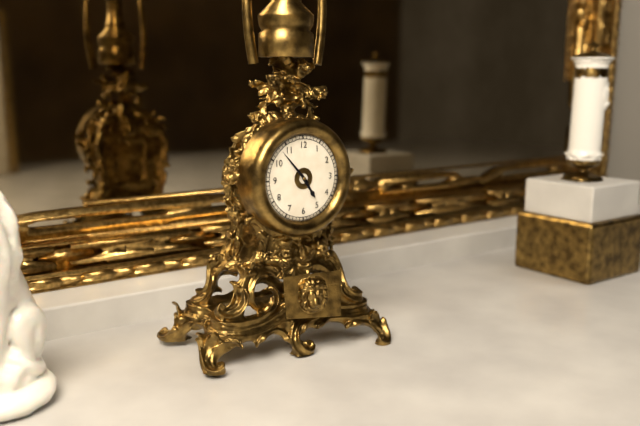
4,53
